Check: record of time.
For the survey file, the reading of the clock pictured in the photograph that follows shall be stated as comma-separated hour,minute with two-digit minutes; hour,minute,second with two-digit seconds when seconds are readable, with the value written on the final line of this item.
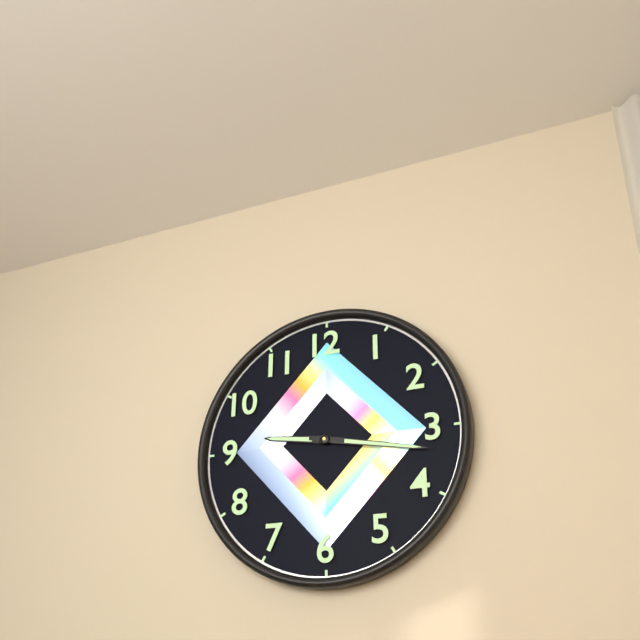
9,17
